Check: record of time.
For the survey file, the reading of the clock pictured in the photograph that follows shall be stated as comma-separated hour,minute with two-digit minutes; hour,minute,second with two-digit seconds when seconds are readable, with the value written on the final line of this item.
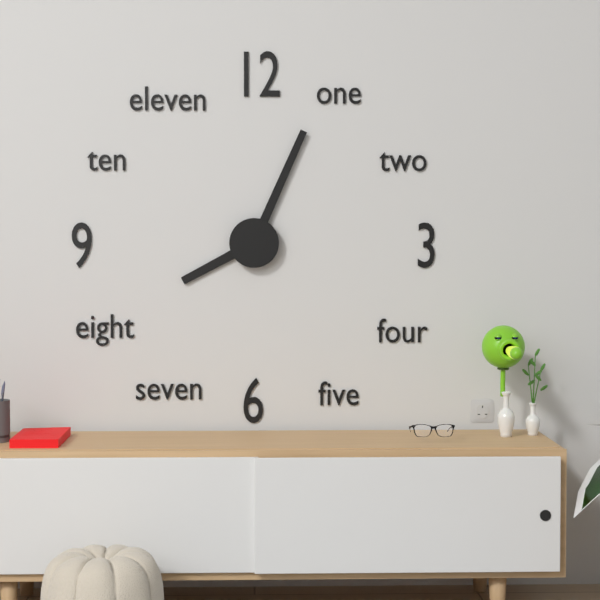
8,04
